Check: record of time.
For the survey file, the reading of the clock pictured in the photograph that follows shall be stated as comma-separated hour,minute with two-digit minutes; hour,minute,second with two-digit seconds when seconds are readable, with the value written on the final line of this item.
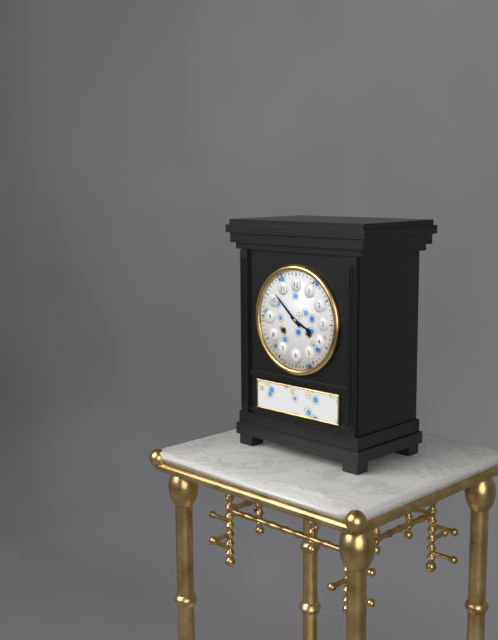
3,52
